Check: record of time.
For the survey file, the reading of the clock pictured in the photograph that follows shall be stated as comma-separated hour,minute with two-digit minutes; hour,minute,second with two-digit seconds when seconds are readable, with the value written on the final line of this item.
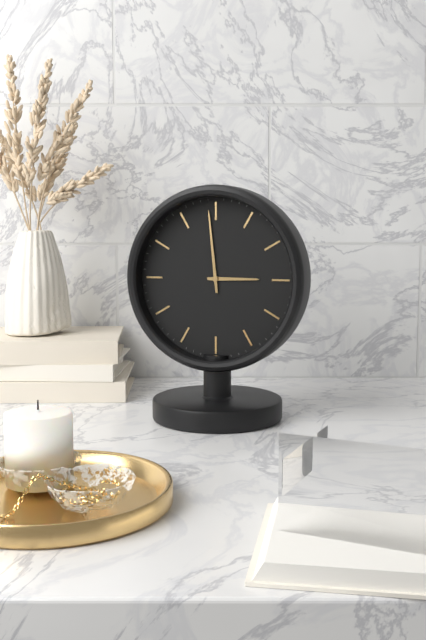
2,59
